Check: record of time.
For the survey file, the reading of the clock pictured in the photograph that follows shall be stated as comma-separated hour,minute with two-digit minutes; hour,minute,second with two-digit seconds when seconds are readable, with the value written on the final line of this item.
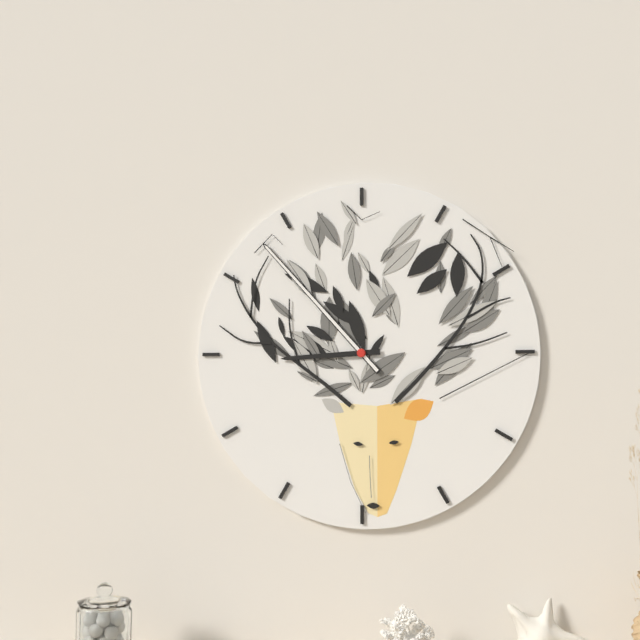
8,53
